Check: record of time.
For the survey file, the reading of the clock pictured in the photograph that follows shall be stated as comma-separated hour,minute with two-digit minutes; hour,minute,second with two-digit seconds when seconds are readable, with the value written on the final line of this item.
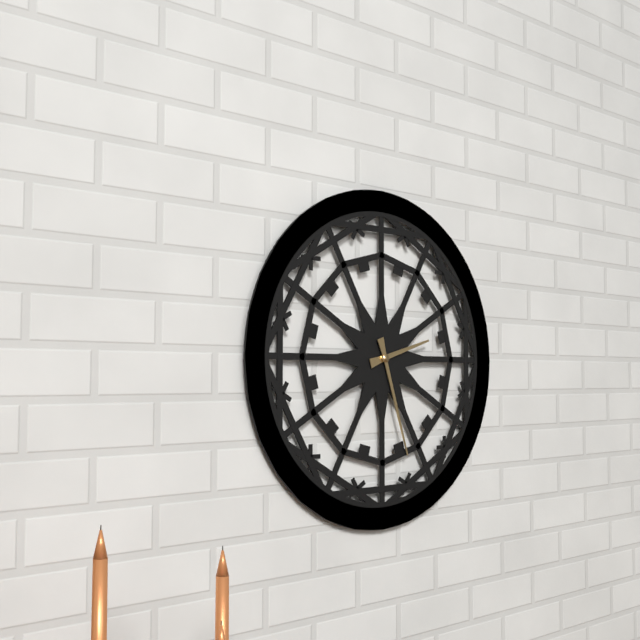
2,27
